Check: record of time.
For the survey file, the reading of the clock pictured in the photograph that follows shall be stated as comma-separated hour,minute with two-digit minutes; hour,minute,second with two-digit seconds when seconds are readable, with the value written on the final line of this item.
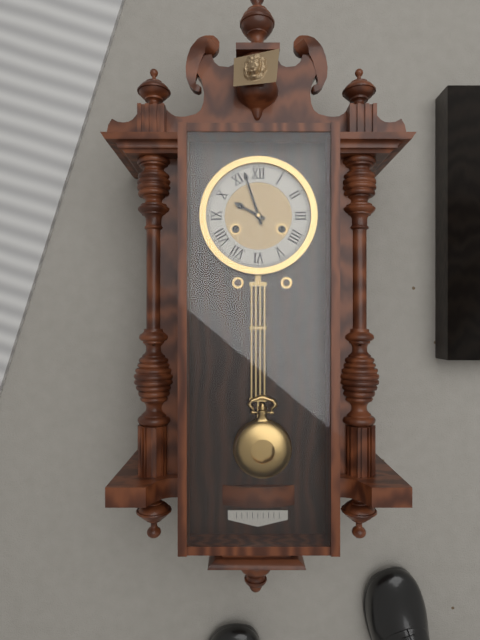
9,57
